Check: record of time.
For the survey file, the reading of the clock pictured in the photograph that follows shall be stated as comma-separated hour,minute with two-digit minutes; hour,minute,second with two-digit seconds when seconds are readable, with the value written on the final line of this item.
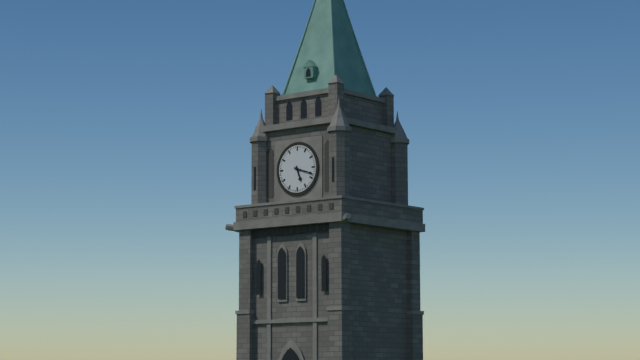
5,18
